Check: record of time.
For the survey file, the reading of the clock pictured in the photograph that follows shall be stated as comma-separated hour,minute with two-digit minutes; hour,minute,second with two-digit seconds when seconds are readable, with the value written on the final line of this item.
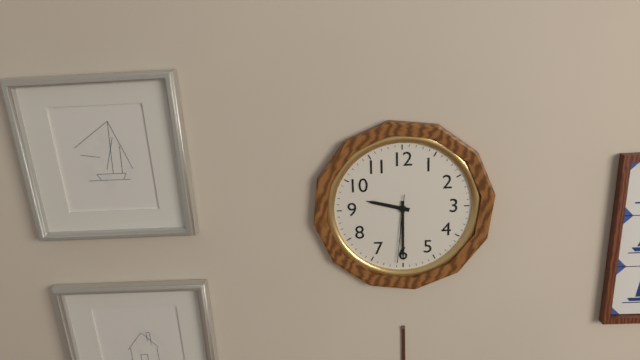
9,30,31
